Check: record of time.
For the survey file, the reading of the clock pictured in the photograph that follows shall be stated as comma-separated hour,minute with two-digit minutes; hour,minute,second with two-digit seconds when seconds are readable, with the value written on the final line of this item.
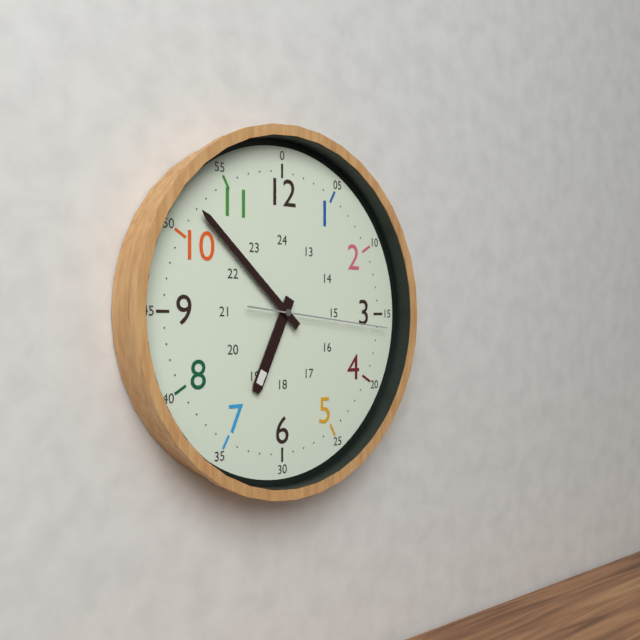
6,52,16
